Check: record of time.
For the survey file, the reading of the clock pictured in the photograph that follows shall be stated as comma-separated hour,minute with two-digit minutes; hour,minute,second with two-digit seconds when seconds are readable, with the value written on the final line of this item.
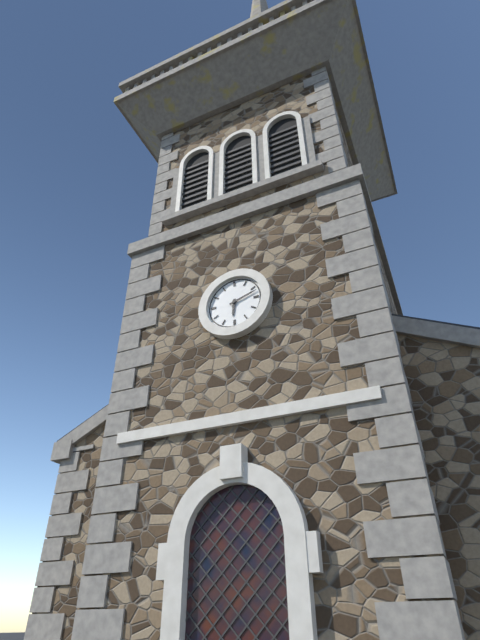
6,12
